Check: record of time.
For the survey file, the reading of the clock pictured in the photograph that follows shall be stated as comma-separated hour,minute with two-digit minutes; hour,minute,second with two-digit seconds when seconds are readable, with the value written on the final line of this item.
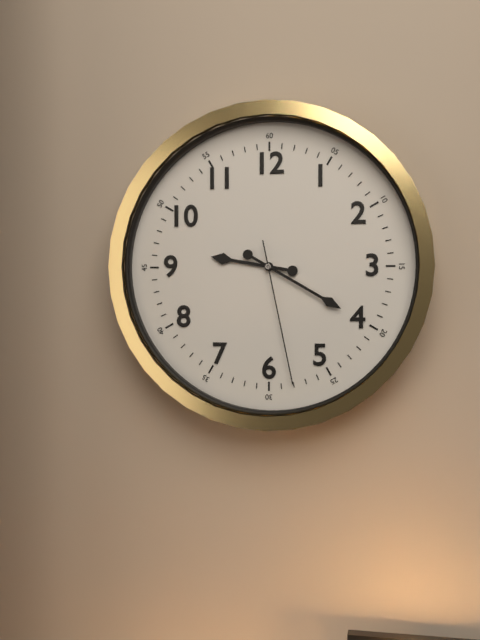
9,20,28
